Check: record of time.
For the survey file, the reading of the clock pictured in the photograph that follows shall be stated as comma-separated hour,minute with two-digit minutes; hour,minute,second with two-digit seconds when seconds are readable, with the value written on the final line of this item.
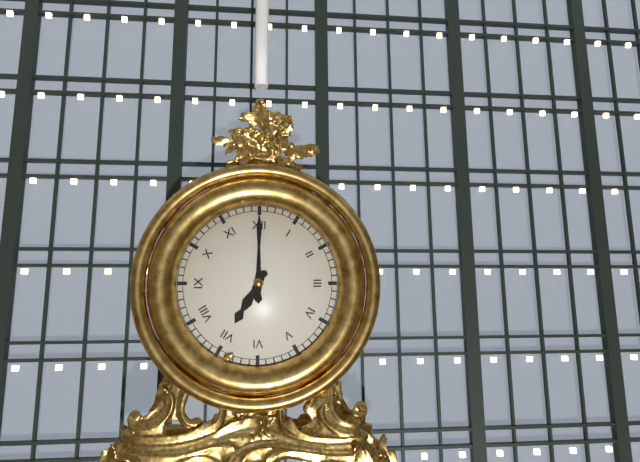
7,00
